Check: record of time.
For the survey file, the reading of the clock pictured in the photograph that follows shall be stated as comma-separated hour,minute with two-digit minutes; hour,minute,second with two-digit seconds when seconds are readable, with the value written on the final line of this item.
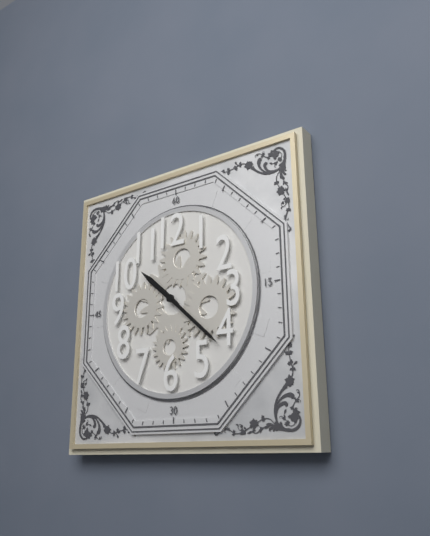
10,22
